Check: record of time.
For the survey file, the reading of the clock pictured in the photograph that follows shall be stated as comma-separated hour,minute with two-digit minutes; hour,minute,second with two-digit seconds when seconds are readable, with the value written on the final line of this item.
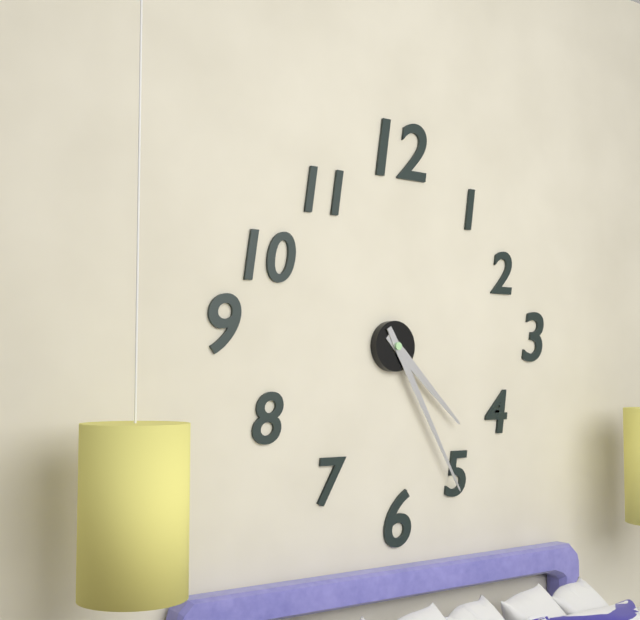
4,25
